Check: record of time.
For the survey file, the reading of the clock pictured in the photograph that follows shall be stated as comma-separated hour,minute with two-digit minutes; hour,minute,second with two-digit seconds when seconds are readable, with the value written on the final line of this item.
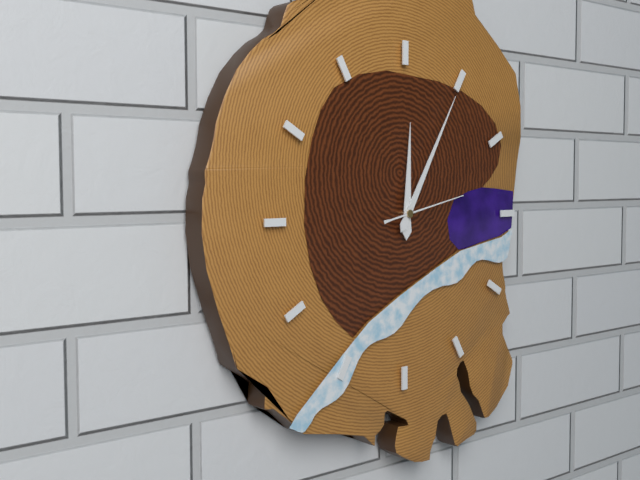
12,05,13
